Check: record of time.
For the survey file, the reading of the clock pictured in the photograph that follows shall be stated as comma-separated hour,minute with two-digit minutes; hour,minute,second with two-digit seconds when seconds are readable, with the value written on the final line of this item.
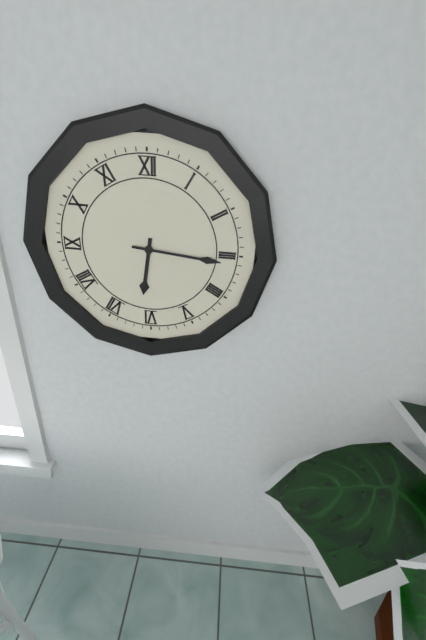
6,16
